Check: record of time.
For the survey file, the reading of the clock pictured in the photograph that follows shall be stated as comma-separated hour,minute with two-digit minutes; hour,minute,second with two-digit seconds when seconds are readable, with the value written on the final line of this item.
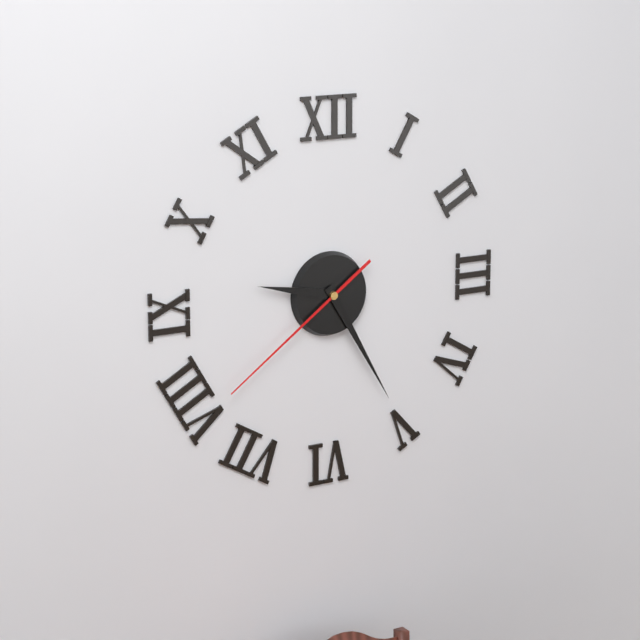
9,25,39
